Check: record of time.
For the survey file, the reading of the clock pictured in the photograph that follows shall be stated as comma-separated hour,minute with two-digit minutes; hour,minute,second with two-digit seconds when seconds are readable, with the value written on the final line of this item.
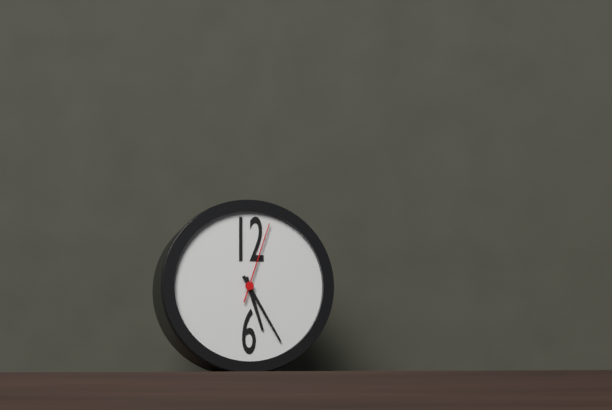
5,25,03
